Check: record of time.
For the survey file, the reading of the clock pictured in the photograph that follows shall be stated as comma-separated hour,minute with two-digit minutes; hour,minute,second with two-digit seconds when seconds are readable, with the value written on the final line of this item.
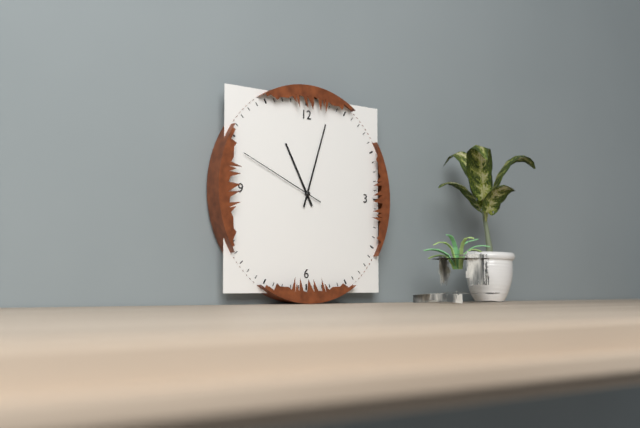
11,03,49
